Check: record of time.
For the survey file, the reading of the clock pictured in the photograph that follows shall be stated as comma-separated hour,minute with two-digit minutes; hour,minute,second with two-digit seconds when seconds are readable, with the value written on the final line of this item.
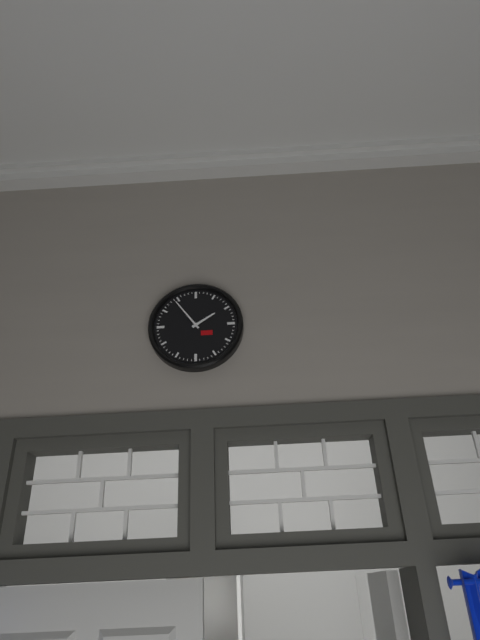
1,54
